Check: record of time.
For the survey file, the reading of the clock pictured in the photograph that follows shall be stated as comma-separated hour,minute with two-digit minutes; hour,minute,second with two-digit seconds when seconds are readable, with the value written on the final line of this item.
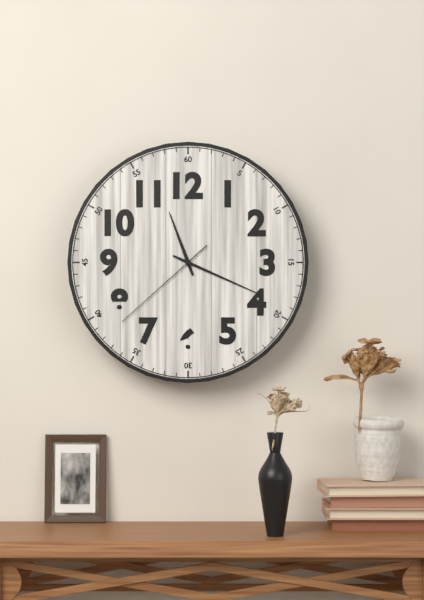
11,19,38
